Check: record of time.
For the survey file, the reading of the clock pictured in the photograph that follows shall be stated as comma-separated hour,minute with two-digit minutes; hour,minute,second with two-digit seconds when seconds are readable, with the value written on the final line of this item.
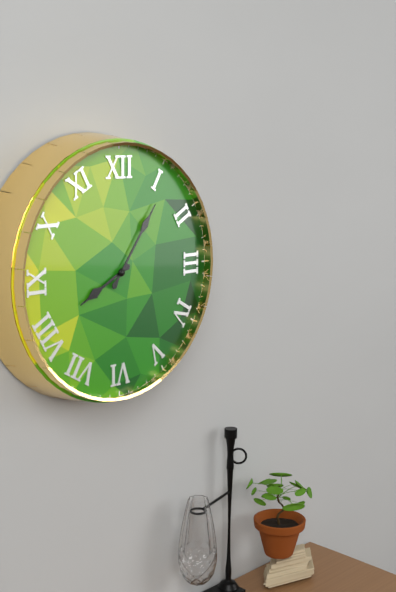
8,06
